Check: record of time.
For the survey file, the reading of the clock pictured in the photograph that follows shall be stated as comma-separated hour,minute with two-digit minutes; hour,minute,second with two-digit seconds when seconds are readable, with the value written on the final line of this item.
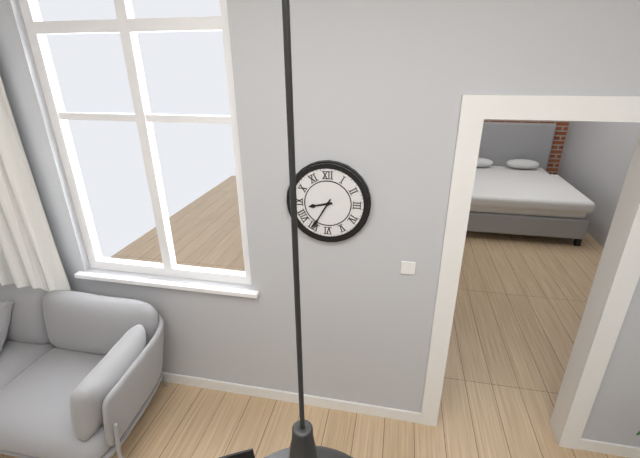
8,35
